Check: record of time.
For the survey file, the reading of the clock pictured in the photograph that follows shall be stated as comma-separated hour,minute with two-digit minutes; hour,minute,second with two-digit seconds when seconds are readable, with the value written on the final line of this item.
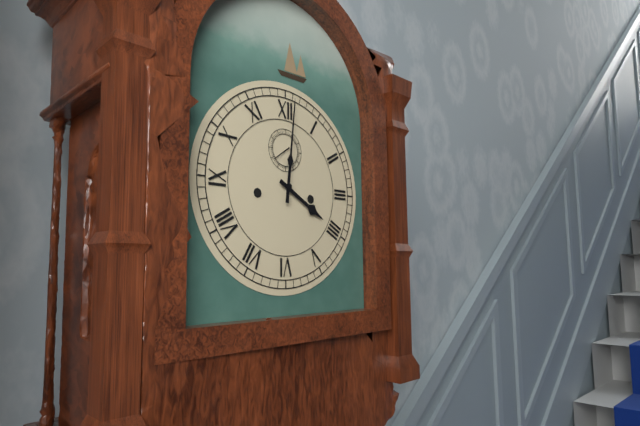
4,01
